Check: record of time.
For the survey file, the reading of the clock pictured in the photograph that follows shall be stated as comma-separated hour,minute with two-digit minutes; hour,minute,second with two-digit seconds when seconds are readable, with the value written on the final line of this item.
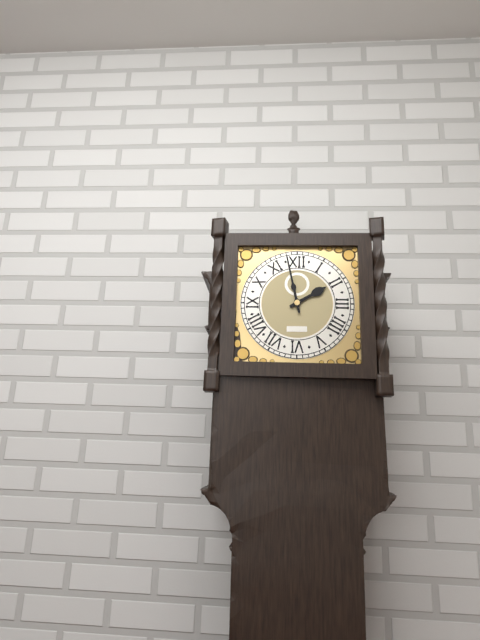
1,58
